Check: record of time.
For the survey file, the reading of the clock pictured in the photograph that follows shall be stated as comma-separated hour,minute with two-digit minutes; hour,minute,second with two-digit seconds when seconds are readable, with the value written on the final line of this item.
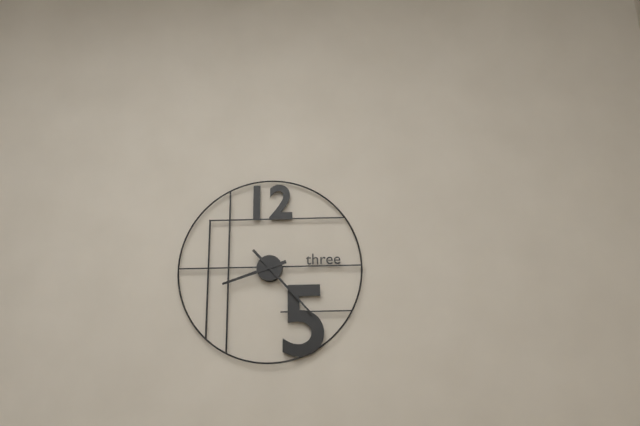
8,23
